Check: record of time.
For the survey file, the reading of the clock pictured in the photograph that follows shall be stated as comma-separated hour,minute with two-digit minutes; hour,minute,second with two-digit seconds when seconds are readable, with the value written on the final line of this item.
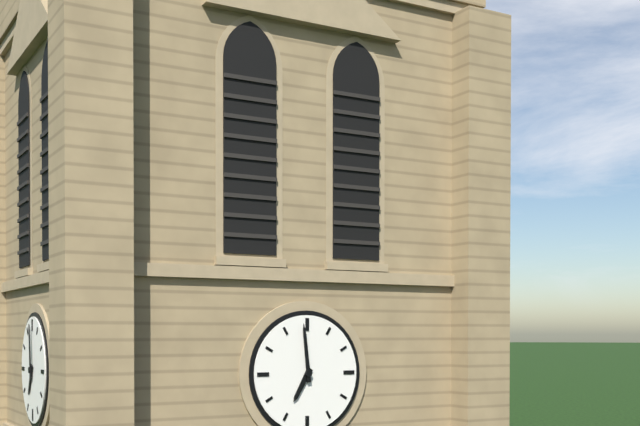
6,59
